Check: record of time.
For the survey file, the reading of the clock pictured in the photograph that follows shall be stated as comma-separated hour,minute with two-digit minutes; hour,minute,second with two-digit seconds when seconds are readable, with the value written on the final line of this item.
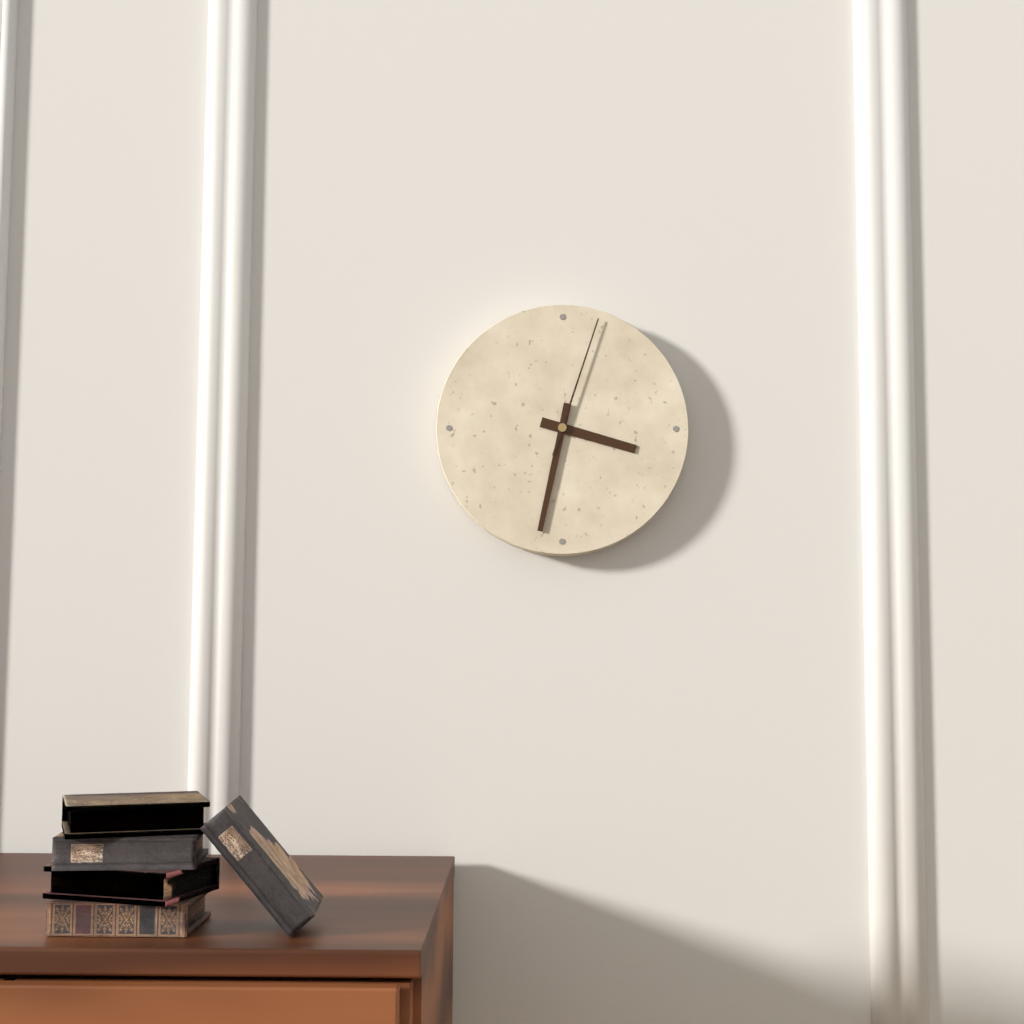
3,32,03
